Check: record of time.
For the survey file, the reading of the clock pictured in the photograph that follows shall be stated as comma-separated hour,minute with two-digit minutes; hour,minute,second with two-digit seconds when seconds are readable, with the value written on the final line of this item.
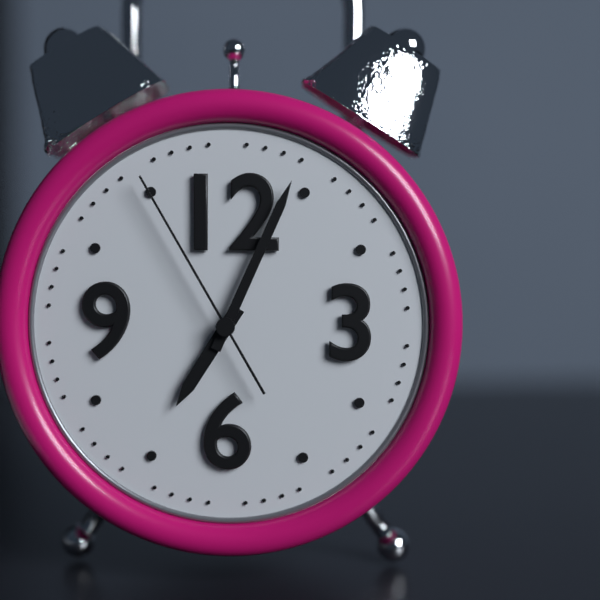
7,04,55
